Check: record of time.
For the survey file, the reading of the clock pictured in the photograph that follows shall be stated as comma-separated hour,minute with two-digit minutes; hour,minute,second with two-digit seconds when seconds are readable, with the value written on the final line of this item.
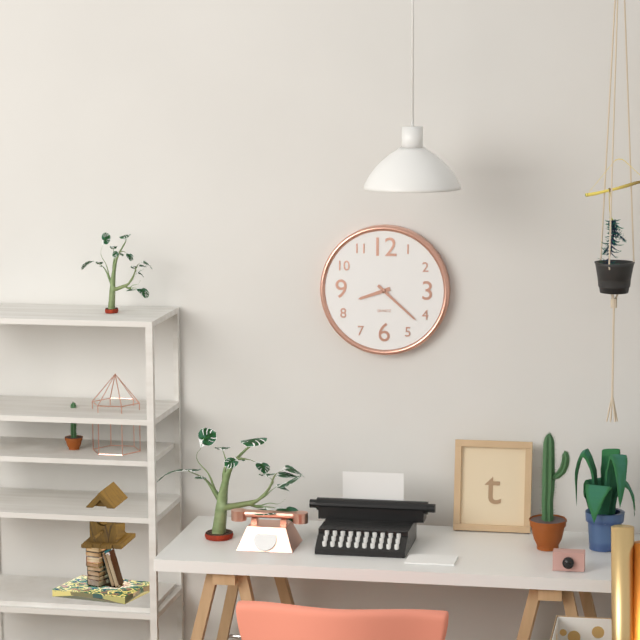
8,22
